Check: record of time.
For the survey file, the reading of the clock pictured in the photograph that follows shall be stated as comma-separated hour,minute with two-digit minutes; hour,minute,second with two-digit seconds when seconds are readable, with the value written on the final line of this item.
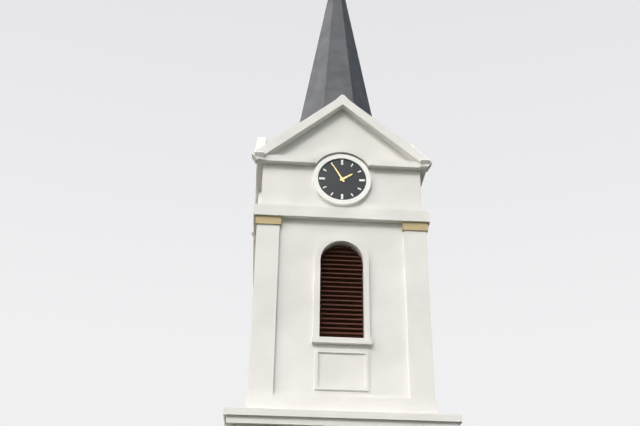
1,55
